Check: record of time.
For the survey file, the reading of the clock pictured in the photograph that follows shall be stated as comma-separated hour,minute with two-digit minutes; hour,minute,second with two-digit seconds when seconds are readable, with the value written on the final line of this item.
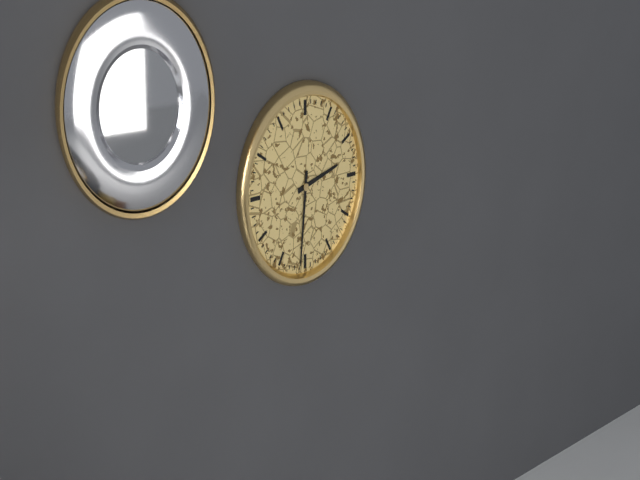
2,31
